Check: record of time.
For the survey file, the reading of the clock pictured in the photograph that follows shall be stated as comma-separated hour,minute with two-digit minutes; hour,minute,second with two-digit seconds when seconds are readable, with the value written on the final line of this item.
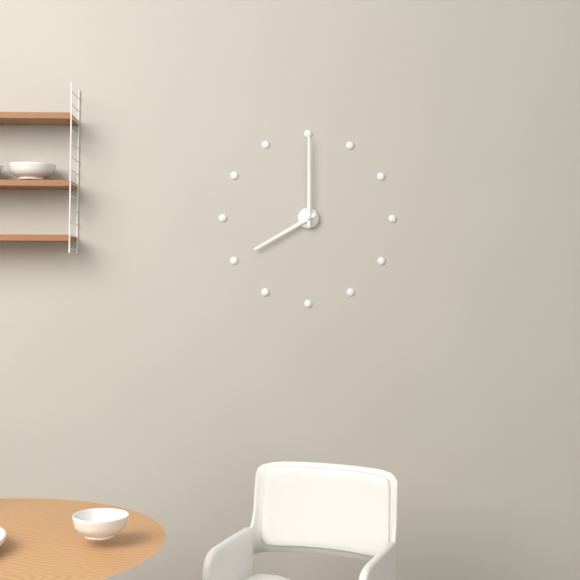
8,00
